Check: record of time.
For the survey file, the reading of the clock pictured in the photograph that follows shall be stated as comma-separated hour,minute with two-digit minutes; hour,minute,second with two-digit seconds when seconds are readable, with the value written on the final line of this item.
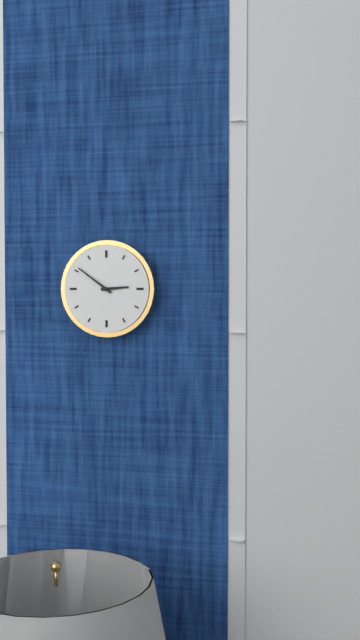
2,51
